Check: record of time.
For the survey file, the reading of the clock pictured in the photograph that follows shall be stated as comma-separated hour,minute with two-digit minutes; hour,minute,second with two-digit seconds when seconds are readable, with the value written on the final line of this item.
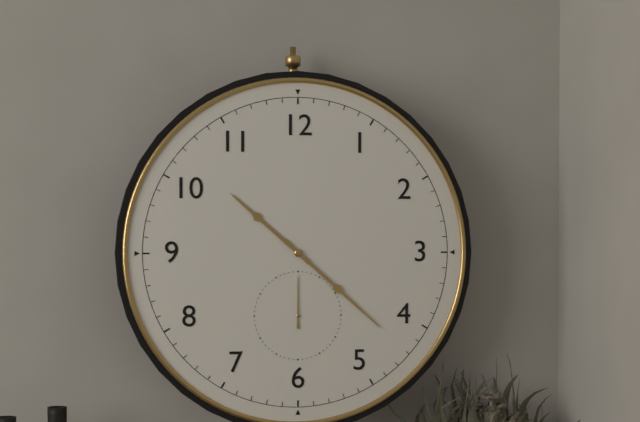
10,22,00
